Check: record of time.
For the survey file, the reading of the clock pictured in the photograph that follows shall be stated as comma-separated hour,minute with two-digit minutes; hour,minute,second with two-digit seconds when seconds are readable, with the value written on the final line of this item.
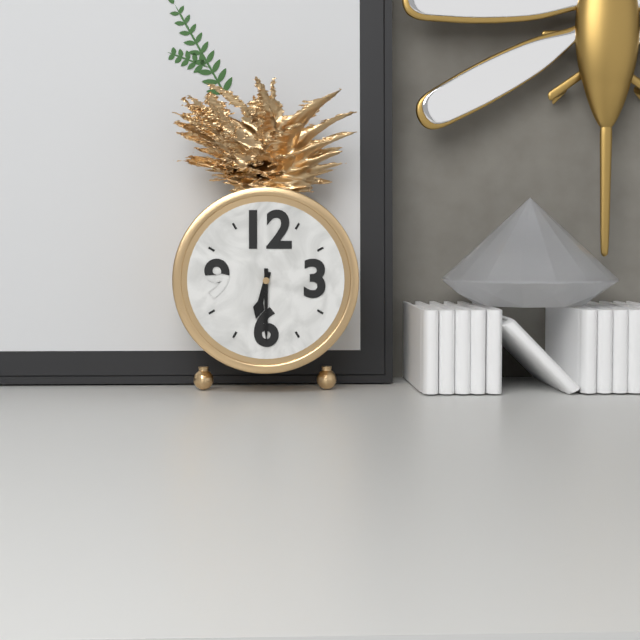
6,30
